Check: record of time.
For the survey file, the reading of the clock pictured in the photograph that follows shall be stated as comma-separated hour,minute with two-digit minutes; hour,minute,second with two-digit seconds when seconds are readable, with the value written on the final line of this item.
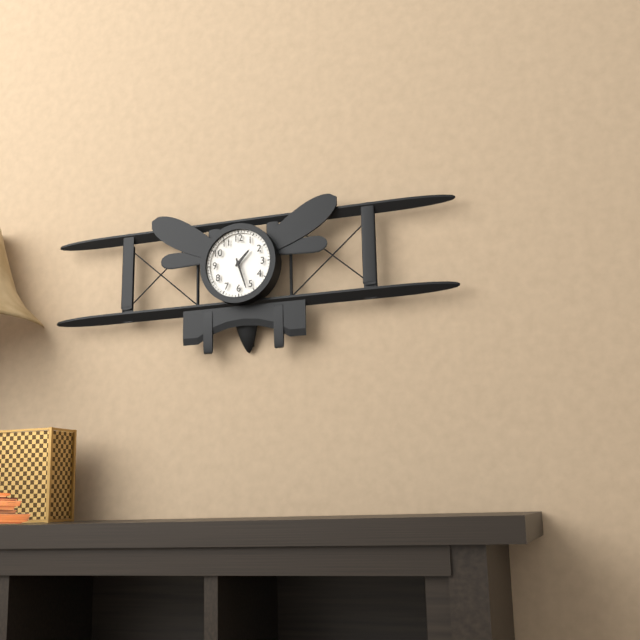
1,27
